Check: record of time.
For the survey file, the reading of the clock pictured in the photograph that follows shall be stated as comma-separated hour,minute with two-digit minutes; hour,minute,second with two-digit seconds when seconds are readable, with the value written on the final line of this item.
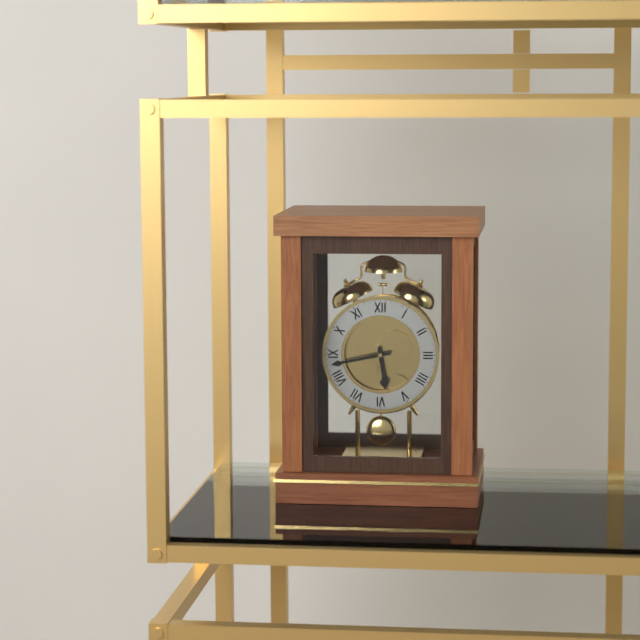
5,43
